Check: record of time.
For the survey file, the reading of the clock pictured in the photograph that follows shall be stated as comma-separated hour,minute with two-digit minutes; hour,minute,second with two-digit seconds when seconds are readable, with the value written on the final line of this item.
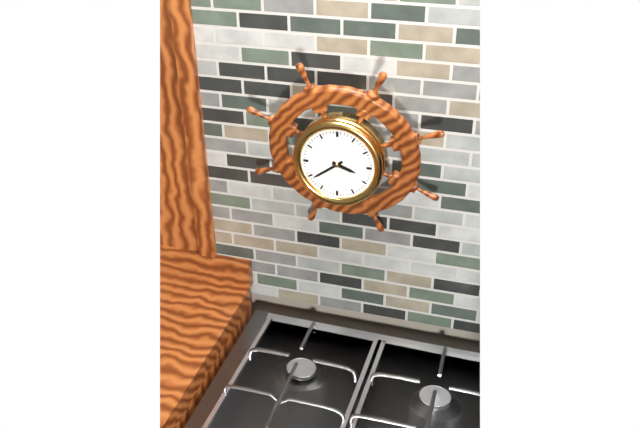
3,39
